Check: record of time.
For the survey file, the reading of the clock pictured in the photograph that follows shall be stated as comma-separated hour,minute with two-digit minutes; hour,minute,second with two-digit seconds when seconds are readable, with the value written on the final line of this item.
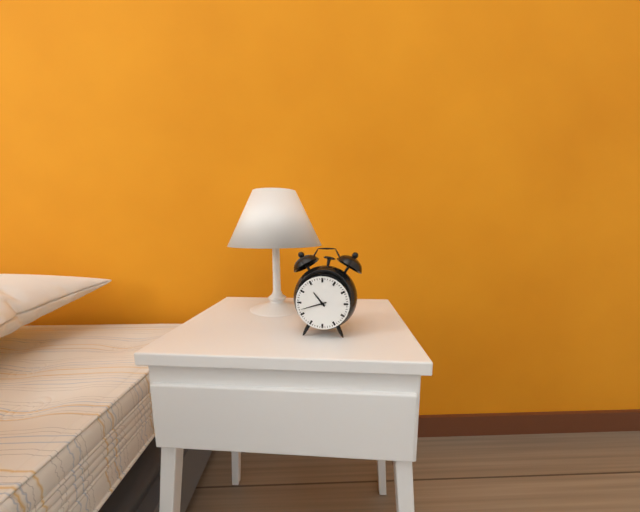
10,42
